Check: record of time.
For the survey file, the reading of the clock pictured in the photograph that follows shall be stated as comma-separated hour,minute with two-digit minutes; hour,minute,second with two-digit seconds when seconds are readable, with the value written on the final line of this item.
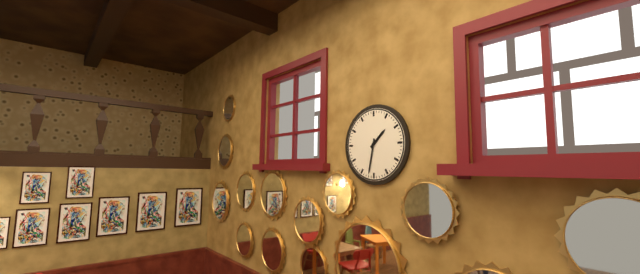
1,32
